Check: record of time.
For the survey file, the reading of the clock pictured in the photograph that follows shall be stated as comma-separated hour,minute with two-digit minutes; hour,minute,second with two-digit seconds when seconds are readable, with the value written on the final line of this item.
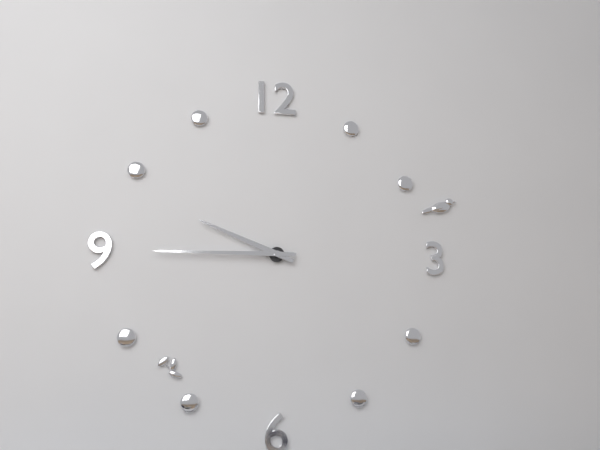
9,45
